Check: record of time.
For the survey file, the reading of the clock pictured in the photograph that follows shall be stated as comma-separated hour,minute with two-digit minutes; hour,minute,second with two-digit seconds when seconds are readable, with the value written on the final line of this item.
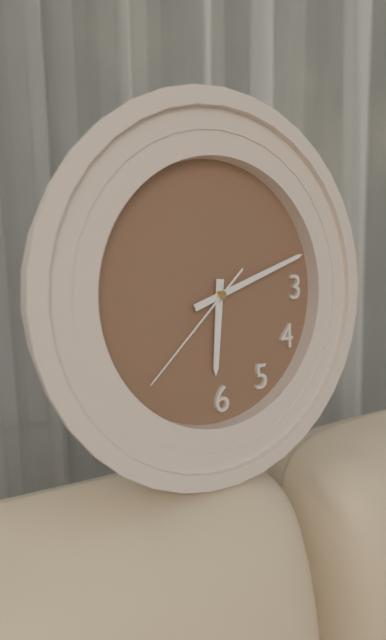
6,12,38
